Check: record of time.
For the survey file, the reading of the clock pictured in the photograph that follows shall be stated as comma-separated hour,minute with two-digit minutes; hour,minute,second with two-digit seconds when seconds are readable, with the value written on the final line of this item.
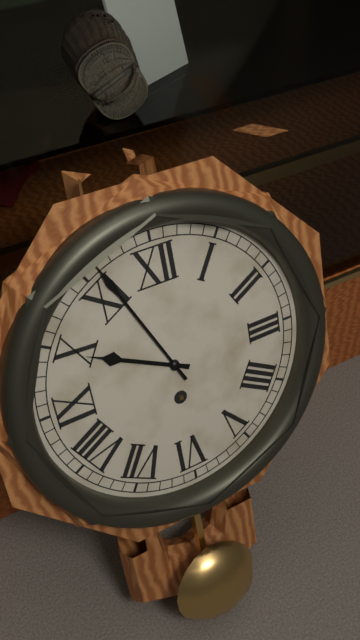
9,56
